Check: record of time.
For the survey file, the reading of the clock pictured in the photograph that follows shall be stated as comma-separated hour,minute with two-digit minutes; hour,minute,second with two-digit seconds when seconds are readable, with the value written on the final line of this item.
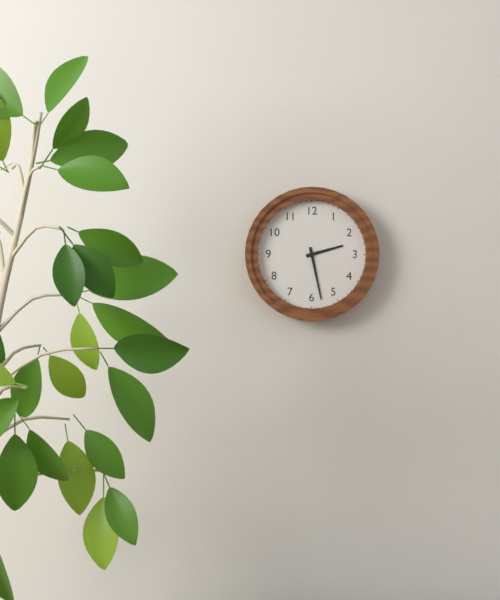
2,28
